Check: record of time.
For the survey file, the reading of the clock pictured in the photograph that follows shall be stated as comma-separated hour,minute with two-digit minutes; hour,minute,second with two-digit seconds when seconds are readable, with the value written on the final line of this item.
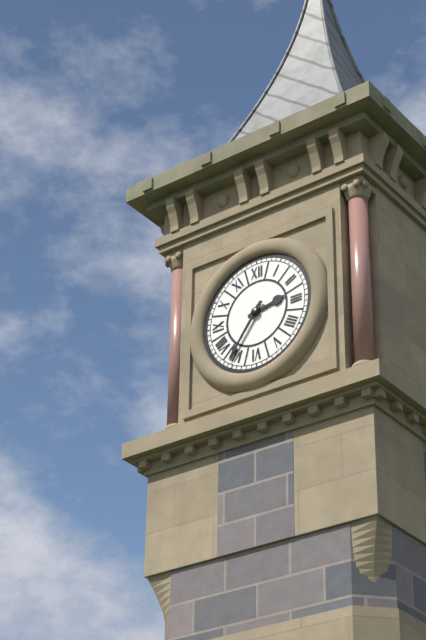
2,36
